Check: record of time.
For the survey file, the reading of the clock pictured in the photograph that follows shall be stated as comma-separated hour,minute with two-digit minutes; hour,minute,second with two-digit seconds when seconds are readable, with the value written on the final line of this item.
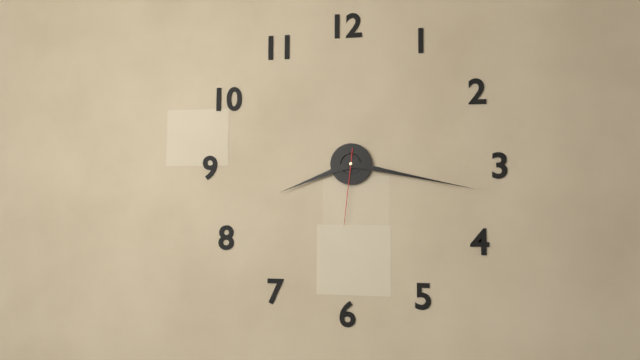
8,17,31
